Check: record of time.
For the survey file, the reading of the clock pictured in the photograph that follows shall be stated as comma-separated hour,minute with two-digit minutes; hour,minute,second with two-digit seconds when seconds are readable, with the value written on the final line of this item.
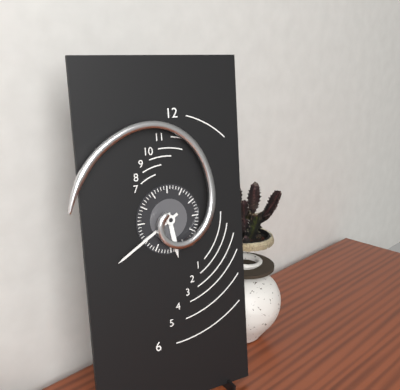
5,40
